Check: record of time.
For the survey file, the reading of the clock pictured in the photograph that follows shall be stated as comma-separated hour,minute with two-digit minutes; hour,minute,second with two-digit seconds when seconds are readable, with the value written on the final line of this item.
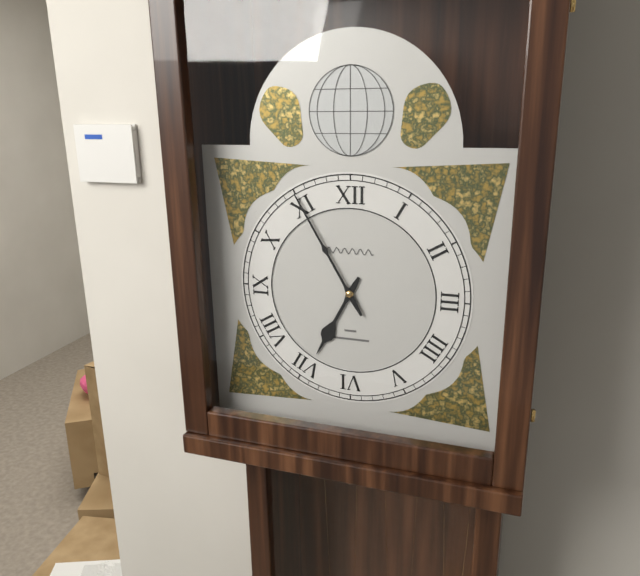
6,55
